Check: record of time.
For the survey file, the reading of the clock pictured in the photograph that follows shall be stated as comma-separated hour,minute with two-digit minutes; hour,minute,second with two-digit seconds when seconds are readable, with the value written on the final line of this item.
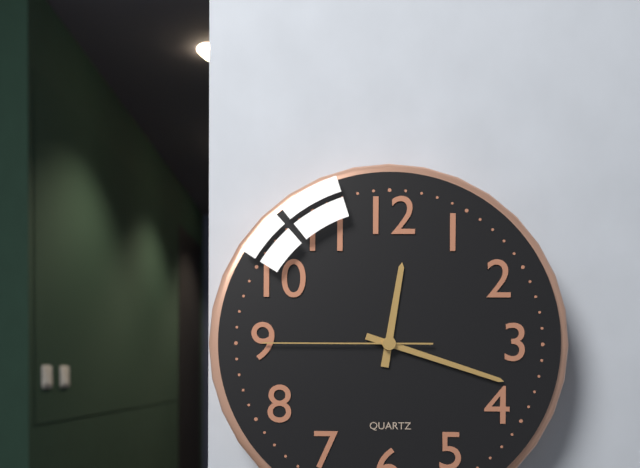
12,18,45
